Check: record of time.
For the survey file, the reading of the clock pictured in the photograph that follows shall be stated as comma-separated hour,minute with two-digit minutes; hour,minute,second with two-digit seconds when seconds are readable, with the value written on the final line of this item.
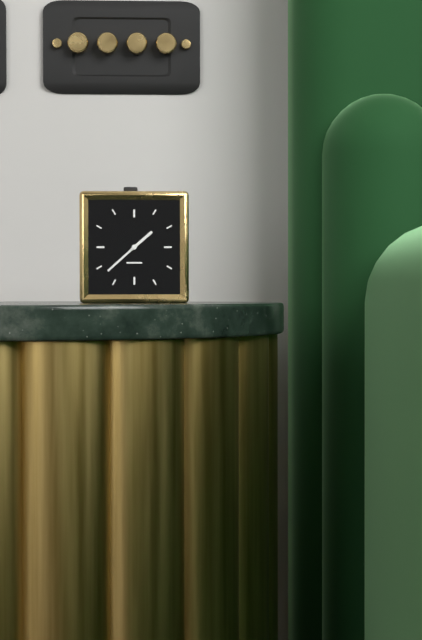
1,38
